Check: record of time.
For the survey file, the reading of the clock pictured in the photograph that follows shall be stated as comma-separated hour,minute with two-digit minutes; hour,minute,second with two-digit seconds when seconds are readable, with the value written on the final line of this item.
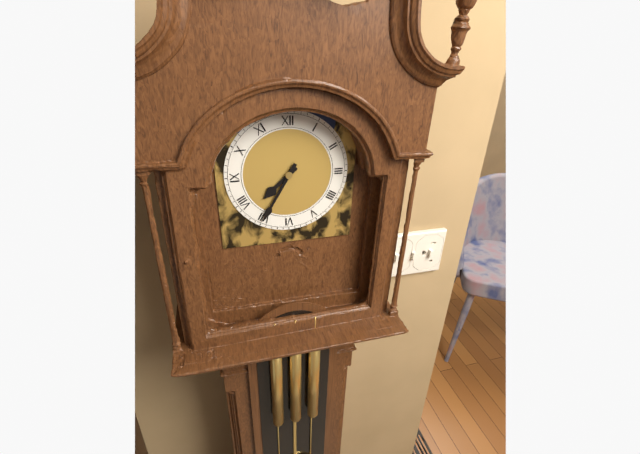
7,35
